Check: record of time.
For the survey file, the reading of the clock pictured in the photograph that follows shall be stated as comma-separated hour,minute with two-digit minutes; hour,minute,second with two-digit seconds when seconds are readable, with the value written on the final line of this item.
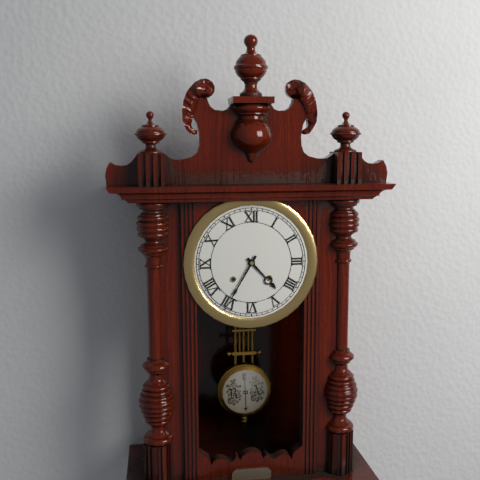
4,35
